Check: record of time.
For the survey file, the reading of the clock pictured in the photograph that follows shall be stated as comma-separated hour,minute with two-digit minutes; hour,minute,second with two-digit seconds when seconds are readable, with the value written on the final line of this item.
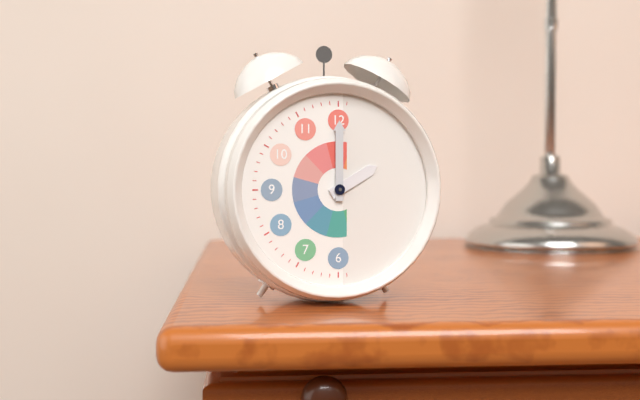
2,00
